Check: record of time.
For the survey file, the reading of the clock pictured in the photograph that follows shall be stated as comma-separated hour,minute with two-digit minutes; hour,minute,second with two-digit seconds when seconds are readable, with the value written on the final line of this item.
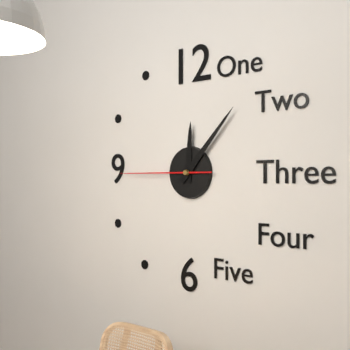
12,07,45
